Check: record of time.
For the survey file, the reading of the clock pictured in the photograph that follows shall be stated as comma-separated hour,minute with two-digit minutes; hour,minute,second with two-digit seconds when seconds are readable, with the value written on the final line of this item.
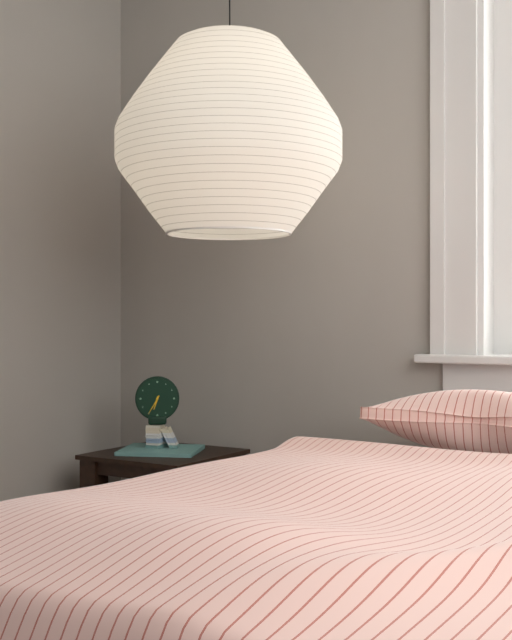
6,35
